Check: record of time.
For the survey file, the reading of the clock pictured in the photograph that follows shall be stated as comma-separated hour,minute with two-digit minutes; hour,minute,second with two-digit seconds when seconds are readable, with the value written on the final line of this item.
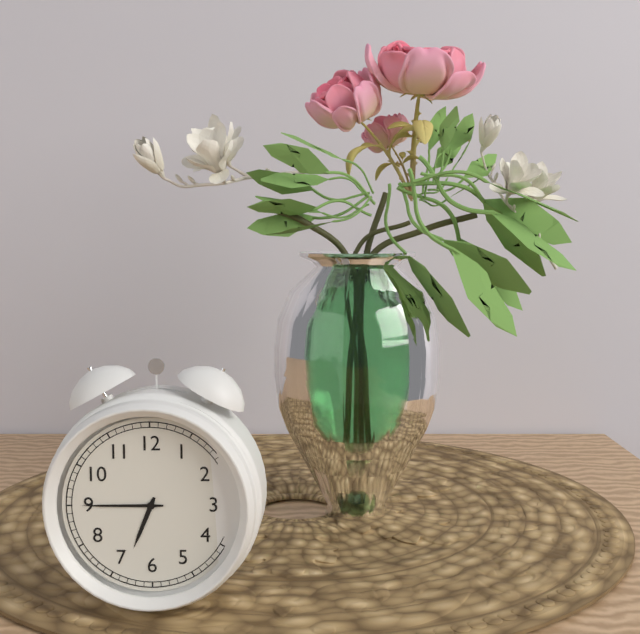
6,45
